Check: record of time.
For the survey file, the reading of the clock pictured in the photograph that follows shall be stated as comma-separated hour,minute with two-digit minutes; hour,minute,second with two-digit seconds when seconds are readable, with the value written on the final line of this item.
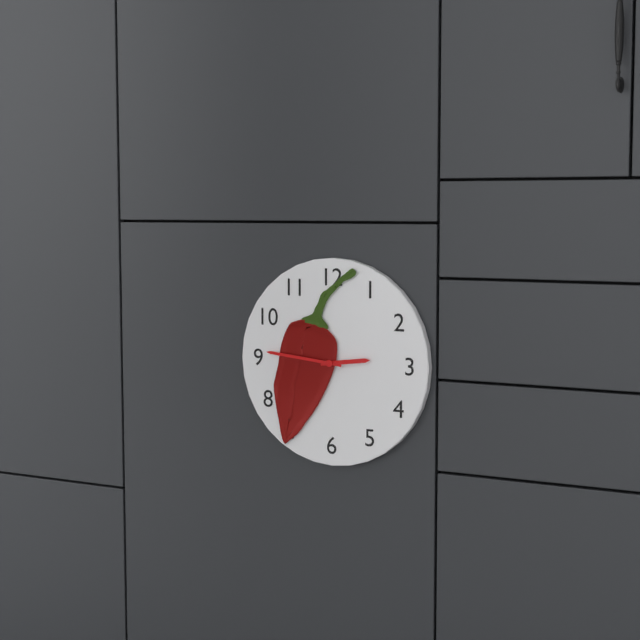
2,46
